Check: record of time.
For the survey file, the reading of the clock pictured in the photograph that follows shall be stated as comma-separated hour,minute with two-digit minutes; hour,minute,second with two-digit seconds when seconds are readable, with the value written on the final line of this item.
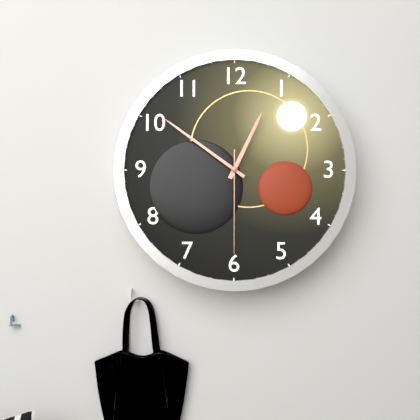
12,51,30
